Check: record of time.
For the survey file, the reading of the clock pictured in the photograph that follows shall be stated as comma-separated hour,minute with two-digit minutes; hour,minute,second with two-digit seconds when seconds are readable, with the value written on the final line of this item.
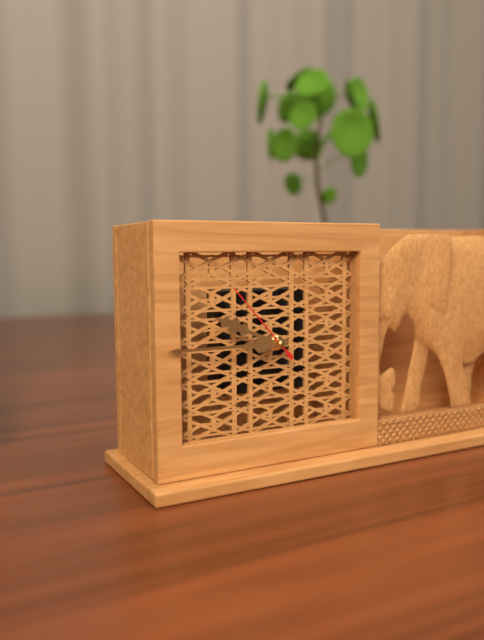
9,45,53
